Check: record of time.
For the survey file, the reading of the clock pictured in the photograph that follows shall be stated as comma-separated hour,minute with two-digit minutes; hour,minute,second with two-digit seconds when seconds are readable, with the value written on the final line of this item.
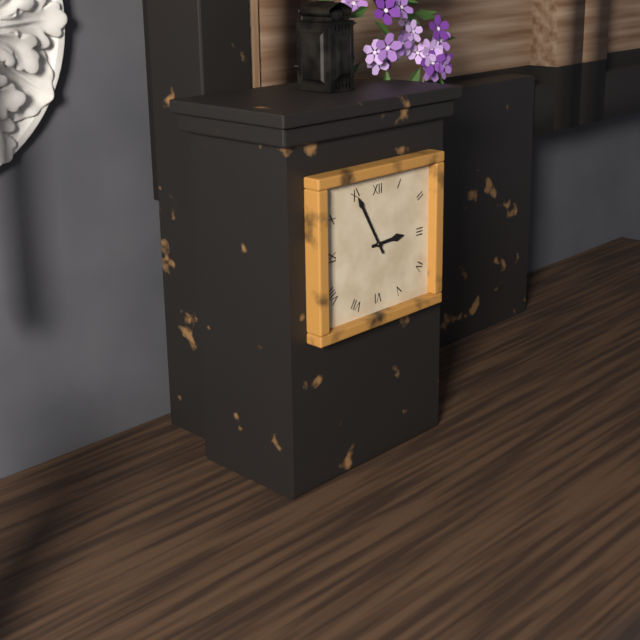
2,55
